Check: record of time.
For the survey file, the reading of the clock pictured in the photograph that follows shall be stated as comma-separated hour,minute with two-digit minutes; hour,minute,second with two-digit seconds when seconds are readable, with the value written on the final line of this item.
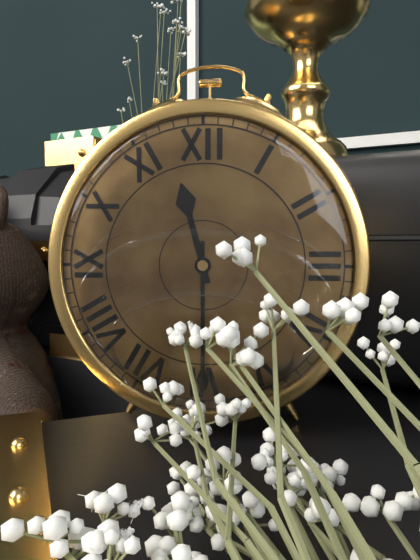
11,30
